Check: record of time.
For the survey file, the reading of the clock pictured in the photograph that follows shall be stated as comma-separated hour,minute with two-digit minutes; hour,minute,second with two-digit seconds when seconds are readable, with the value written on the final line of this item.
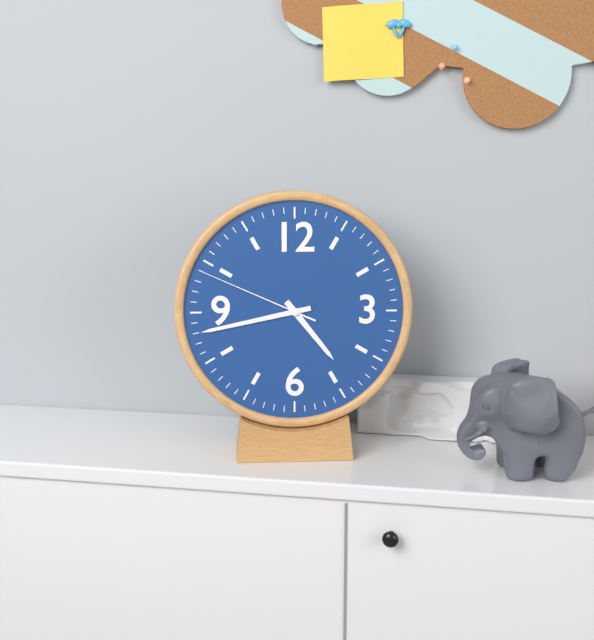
4,43,49
